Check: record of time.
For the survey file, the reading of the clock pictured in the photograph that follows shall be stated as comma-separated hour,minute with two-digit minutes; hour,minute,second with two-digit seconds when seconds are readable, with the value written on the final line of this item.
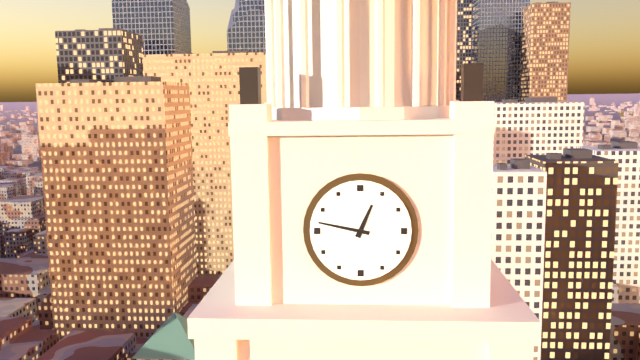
12,47
